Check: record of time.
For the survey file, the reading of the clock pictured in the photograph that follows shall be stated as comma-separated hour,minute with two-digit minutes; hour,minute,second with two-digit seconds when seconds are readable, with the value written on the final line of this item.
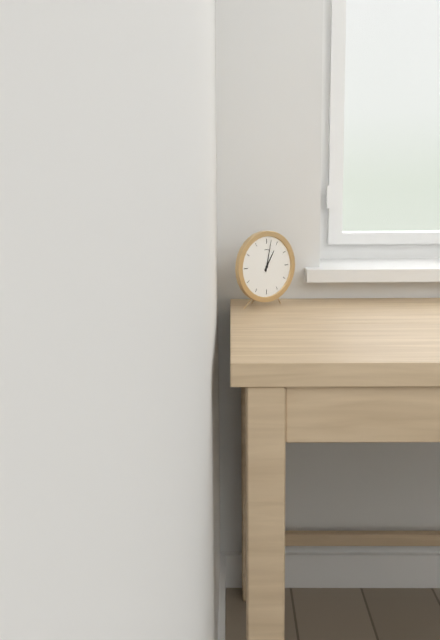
1,02
